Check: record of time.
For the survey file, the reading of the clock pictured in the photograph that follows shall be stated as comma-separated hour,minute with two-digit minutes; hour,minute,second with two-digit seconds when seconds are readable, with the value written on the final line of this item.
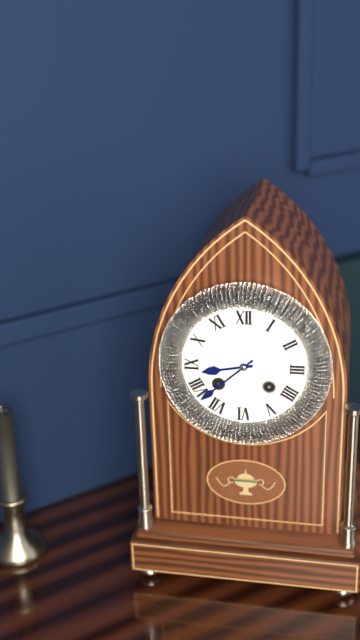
8,38
